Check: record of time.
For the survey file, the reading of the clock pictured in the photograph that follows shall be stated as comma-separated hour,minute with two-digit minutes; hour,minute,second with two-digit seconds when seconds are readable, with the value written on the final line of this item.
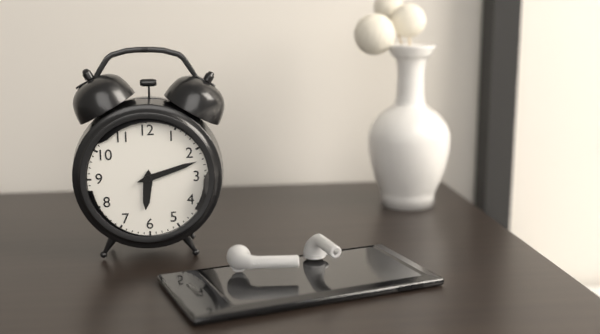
6,12
